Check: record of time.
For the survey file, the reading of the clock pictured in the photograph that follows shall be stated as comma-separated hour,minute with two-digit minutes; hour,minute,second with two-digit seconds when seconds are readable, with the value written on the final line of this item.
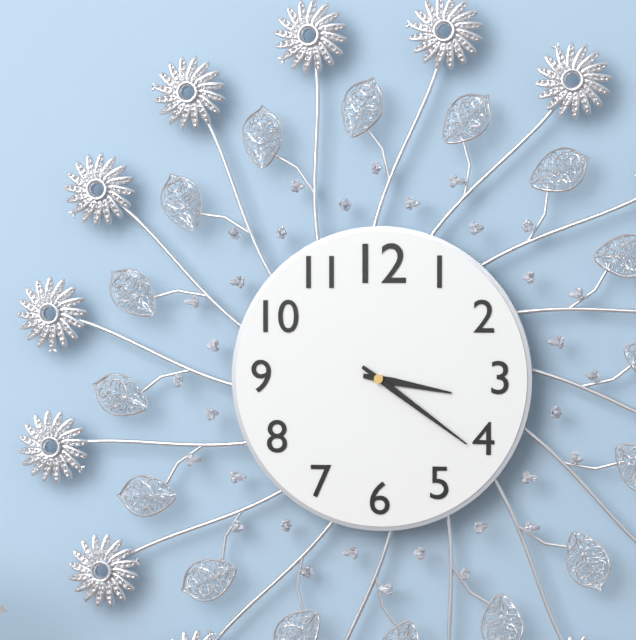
3,21
